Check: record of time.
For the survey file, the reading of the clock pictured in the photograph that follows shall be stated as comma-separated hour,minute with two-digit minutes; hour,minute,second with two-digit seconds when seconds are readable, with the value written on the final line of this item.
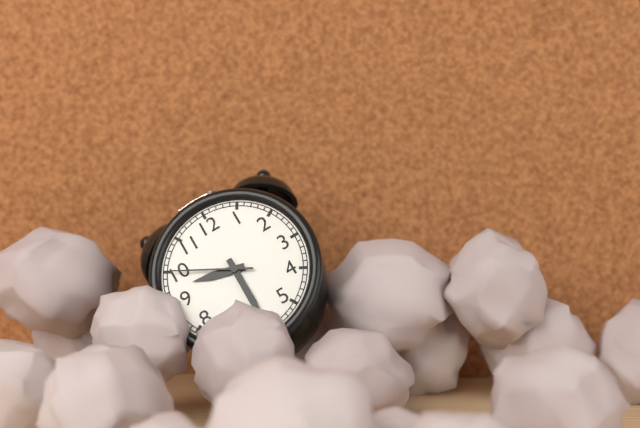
9,30,50
